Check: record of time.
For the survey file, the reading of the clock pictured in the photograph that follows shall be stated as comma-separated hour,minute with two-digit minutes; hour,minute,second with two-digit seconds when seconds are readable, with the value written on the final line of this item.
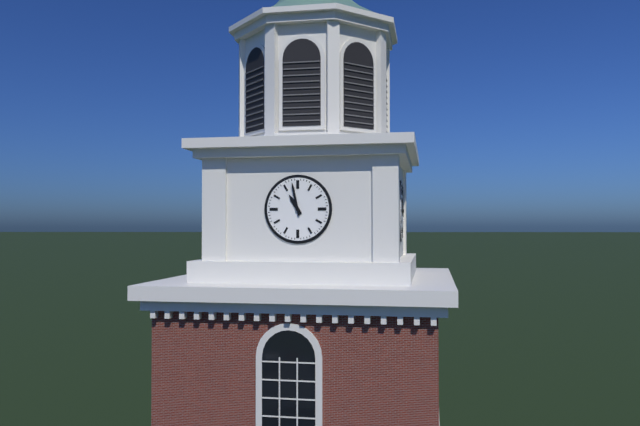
10,58
